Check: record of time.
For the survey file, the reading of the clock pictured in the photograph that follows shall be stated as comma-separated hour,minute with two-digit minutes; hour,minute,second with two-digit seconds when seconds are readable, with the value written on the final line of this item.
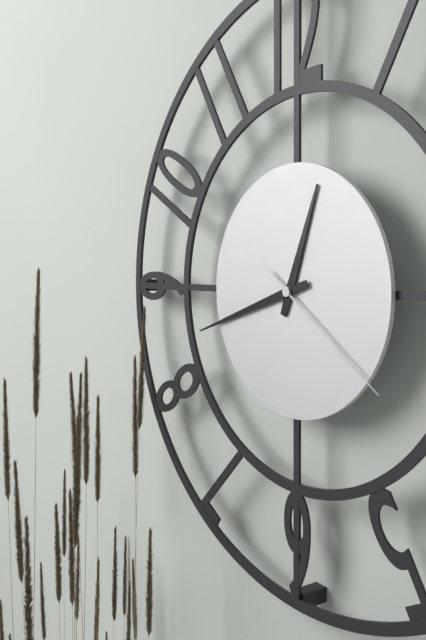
12,42,21
